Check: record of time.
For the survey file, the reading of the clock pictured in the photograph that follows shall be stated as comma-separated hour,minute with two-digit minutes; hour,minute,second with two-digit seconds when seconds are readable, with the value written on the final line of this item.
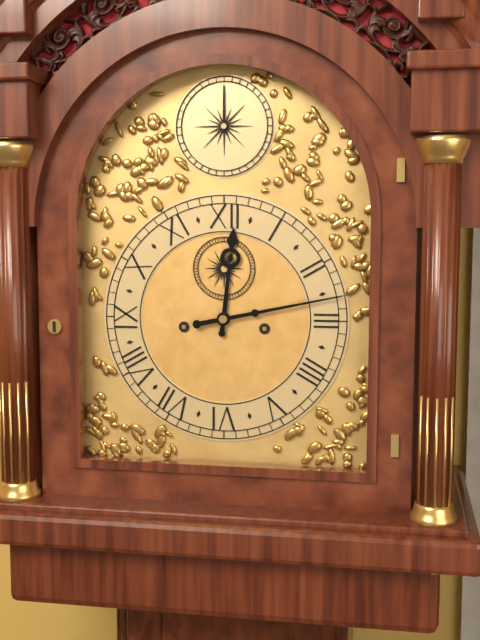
12,13
